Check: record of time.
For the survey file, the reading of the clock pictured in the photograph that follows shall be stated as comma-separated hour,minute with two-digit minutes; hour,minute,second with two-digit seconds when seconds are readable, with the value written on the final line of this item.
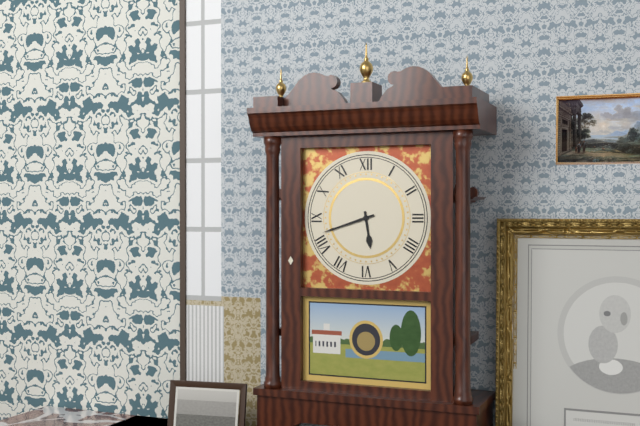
5,42
